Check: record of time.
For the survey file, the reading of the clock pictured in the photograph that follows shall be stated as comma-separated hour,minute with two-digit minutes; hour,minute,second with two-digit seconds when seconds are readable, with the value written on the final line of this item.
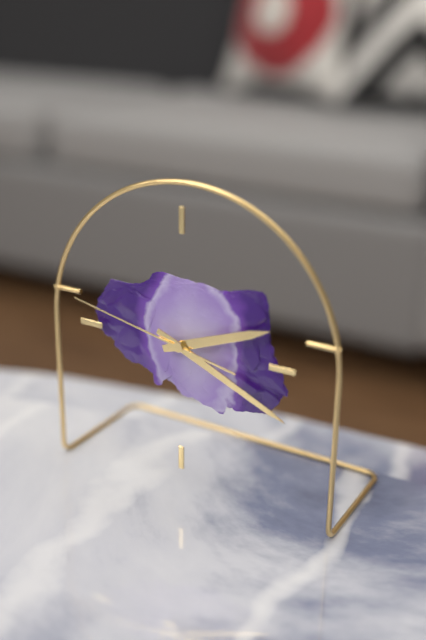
2,19,47
